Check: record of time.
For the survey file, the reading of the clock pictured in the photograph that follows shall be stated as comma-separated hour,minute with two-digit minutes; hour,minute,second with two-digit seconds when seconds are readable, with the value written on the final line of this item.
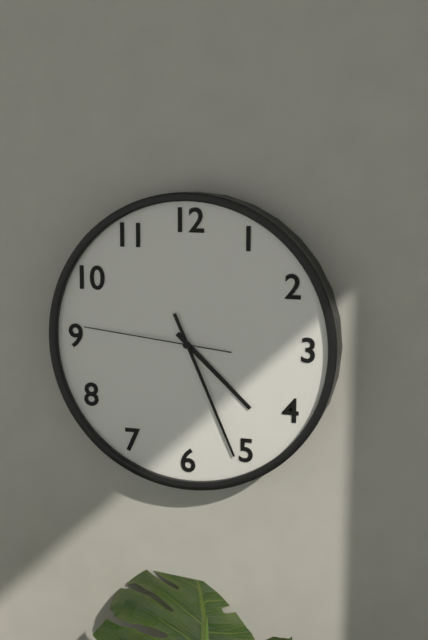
4,26,46
